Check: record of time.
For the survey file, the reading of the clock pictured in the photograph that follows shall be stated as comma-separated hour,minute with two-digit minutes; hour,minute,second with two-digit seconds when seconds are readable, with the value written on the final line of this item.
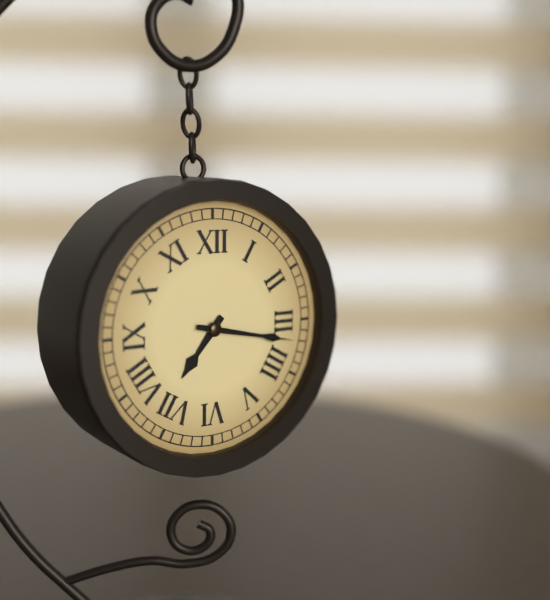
7,17
